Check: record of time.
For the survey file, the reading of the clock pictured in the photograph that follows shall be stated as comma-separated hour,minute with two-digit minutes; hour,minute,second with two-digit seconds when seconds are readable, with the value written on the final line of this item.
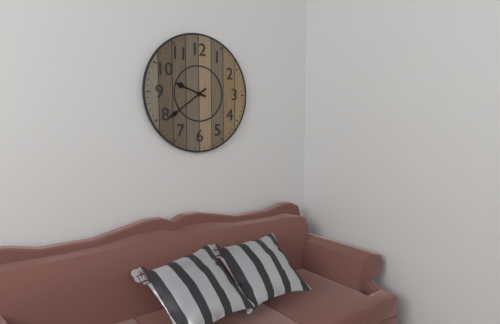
9,39
